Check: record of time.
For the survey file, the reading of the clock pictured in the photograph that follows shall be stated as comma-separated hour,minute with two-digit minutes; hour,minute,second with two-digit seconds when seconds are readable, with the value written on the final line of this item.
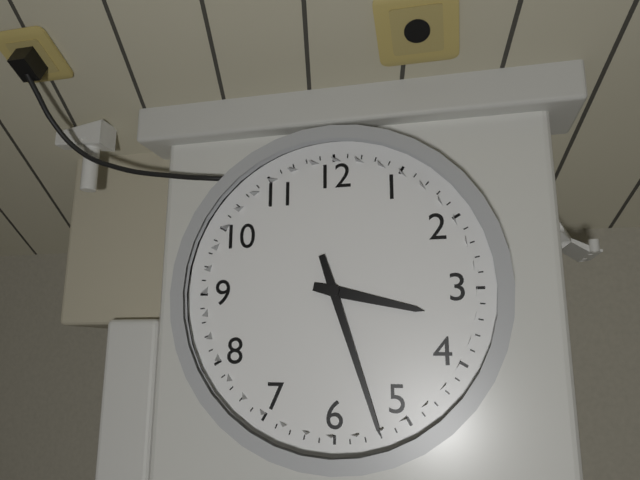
3,27
